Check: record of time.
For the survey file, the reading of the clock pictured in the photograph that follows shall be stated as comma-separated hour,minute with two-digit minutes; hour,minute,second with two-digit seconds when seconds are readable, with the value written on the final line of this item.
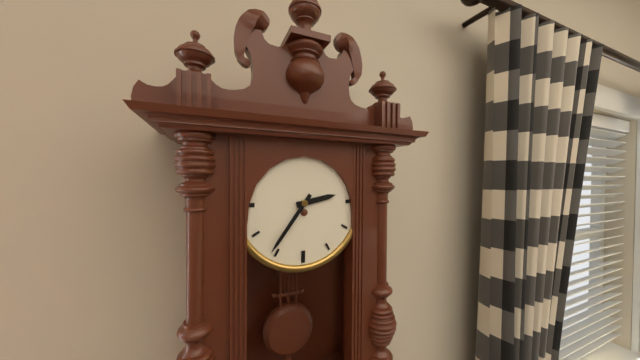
2,36
